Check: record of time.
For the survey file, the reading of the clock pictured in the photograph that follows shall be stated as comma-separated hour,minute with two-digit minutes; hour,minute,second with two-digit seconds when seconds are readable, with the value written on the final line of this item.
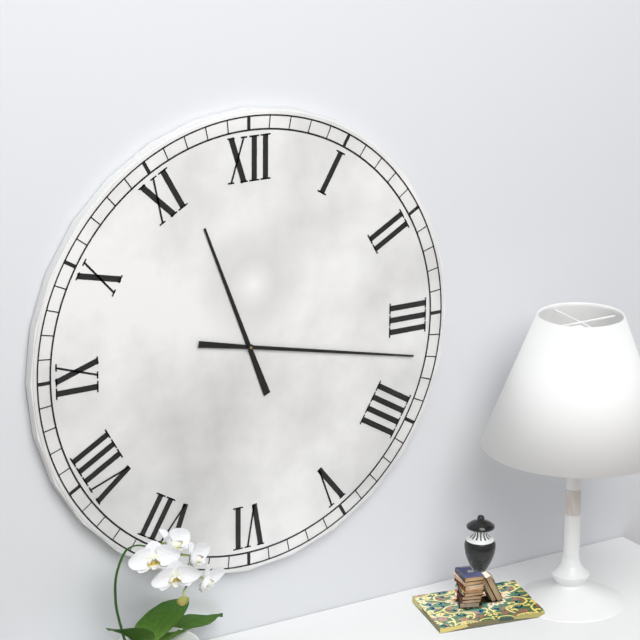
11,17
